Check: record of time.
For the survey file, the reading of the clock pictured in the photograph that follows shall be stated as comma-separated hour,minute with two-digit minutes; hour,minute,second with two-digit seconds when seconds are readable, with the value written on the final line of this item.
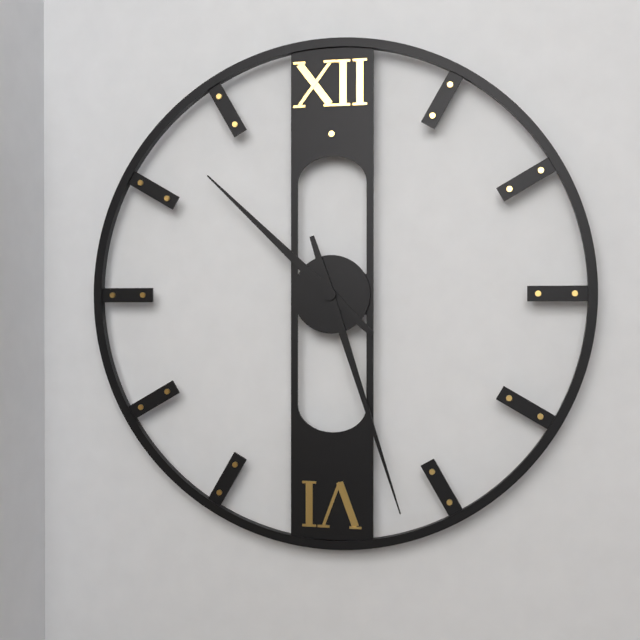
10,27
